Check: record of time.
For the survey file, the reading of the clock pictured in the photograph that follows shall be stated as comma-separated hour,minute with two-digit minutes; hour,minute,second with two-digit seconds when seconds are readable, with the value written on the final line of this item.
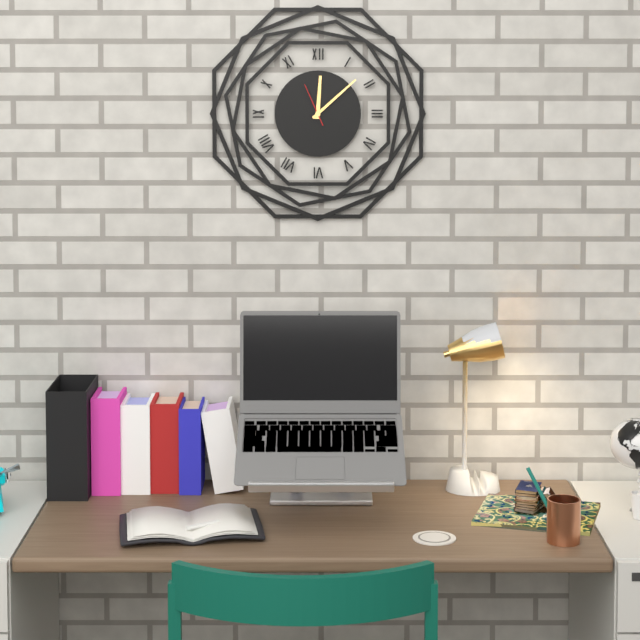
12,08
